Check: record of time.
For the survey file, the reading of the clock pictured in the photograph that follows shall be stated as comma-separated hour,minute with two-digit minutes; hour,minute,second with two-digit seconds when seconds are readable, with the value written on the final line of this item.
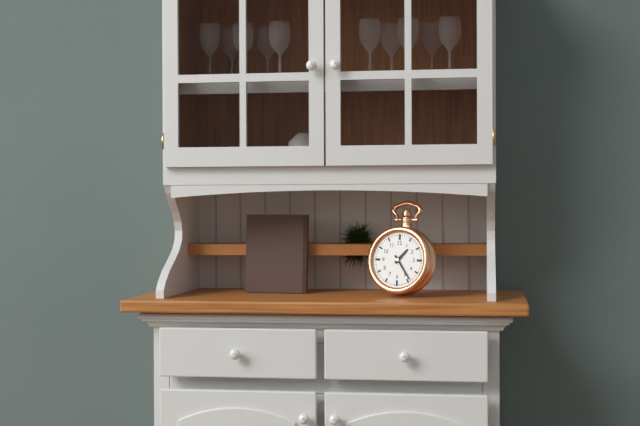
1,24
